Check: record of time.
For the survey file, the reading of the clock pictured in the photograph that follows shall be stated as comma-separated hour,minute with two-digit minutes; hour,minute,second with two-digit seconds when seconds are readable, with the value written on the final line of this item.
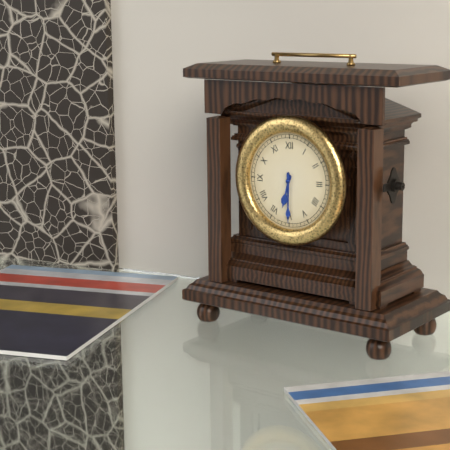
6,30
